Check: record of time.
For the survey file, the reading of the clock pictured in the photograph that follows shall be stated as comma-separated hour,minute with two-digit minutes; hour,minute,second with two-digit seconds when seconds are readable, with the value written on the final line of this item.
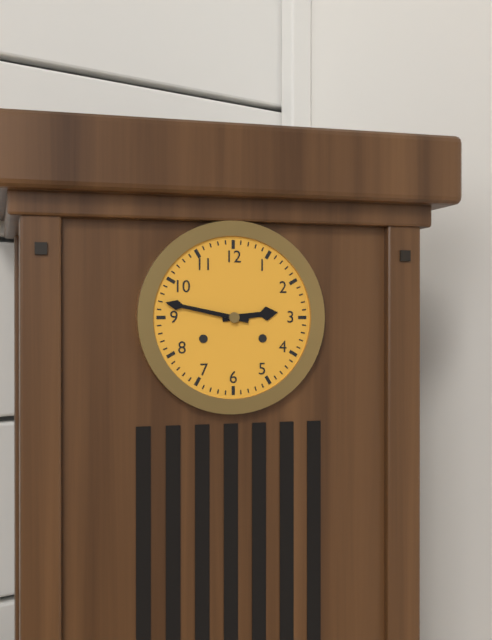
2,47
